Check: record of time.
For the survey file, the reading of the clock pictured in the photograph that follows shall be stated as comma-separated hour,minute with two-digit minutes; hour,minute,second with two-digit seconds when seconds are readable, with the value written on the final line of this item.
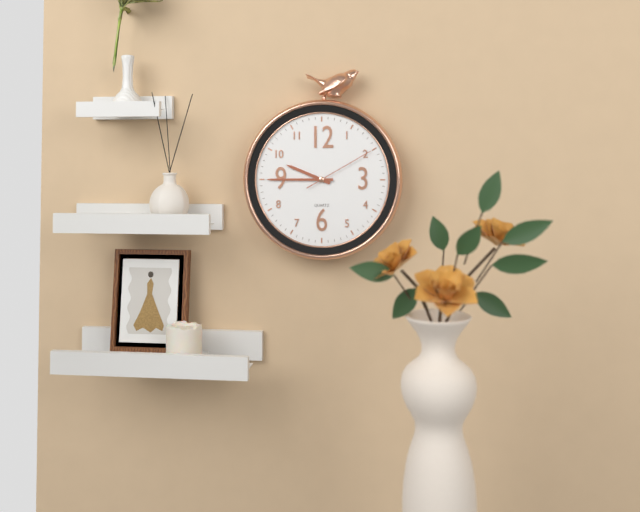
9,45,10
